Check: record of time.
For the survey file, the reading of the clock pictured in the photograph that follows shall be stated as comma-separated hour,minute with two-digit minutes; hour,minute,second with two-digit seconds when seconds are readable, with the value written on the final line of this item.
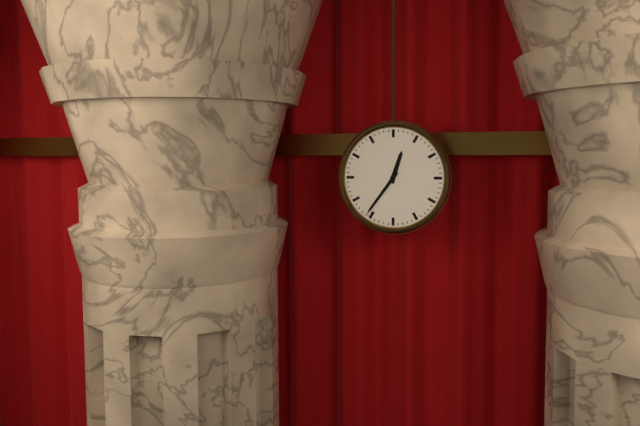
12,36
